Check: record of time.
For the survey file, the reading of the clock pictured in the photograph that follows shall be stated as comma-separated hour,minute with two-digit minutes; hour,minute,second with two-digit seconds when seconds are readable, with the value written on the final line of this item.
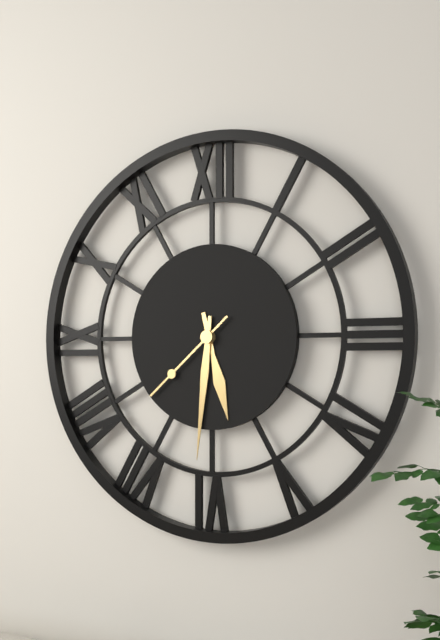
5,31,38
